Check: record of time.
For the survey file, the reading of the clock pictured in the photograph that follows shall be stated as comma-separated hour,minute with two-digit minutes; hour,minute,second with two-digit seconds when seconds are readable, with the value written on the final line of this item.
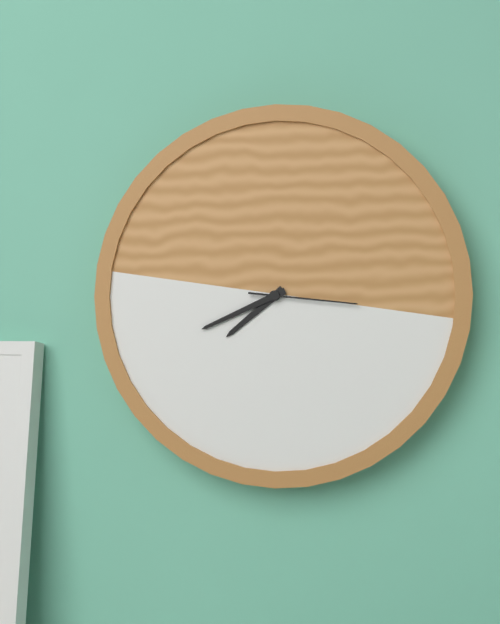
7,41,16
